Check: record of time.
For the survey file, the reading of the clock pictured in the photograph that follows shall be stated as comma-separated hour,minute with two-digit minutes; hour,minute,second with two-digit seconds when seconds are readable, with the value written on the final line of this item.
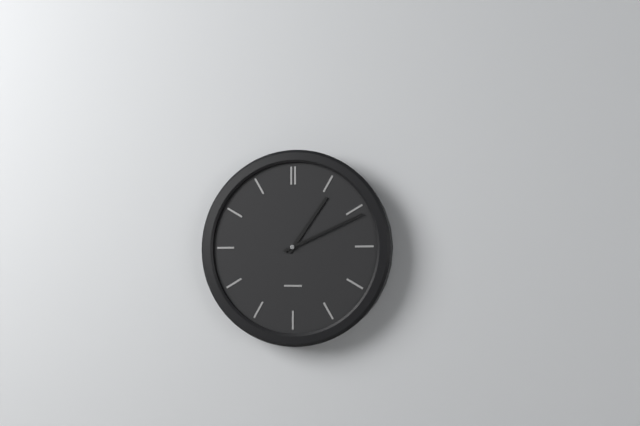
1,11
